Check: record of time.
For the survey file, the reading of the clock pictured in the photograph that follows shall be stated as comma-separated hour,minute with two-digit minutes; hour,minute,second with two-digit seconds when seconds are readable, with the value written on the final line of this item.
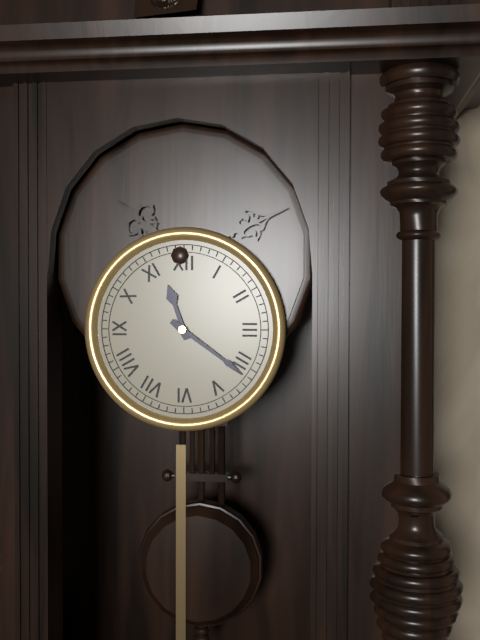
11,21
